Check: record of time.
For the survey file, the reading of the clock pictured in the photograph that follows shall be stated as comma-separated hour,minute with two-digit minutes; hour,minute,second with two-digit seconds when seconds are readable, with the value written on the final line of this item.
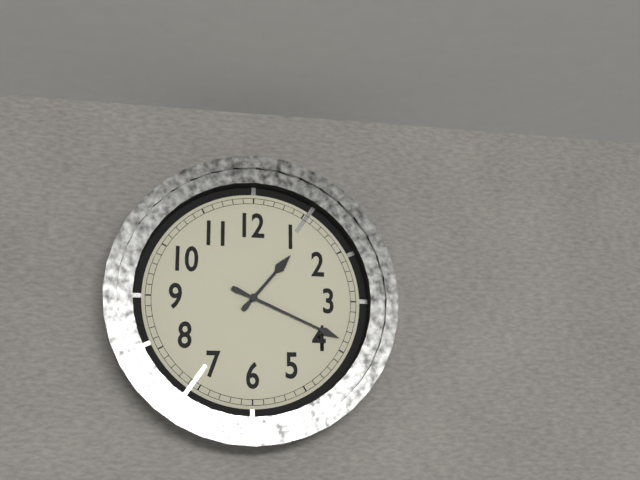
1,19
